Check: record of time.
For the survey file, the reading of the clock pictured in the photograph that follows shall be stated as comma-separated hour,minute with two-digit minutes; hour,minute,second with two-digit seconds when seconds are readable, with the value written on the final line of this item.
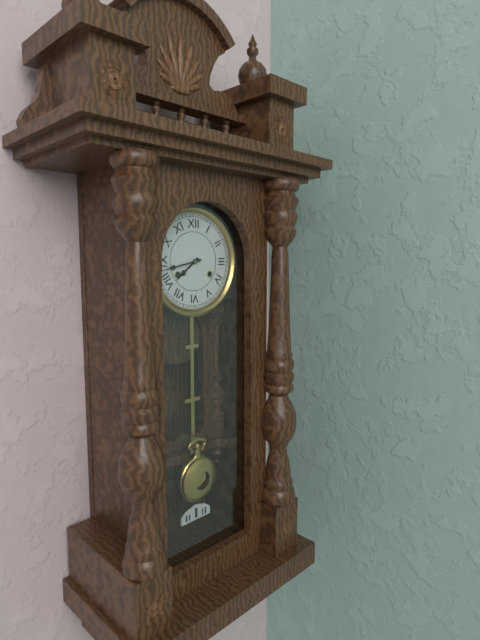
7,43
